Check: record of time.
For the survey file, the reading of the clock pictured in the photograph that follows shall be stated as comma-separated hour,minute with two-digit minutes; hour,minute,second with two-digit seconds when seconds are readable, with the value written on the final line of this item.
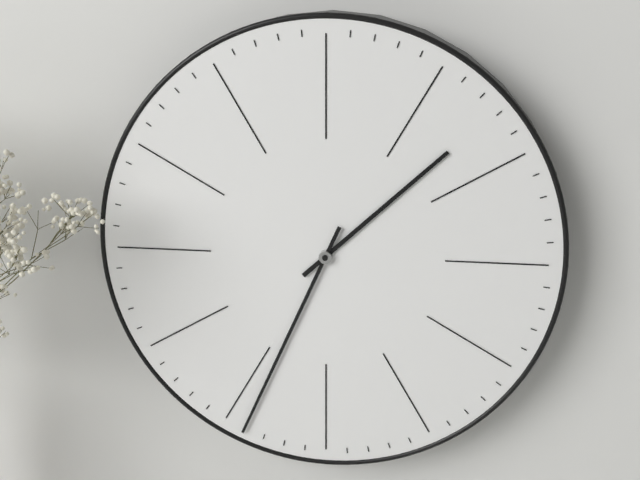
1,34
